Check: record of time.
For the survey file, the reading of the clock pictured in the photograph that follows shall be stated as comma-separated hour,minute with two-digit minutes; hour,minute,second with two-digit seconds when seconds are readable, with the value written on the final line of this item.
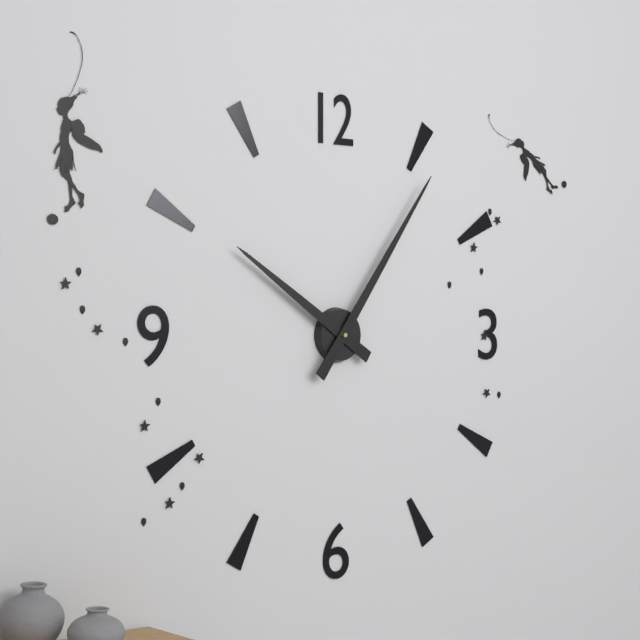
10,06
